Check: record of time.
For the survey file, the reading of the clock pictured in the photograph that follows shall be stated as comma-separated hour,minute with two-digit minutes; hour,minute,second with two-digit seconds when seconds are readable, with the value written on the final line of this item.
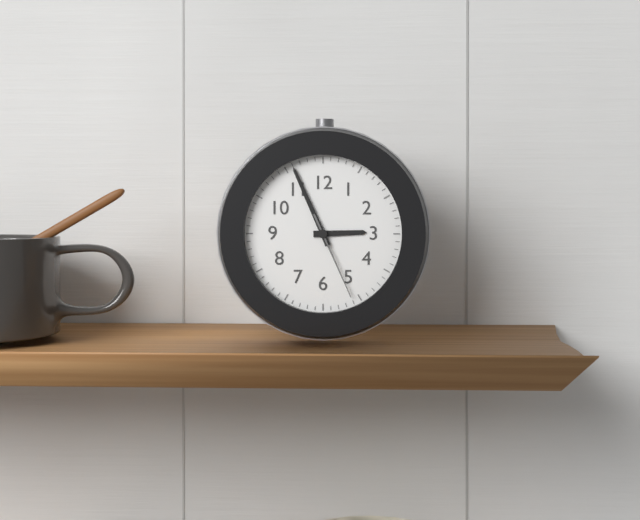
2,56,26
